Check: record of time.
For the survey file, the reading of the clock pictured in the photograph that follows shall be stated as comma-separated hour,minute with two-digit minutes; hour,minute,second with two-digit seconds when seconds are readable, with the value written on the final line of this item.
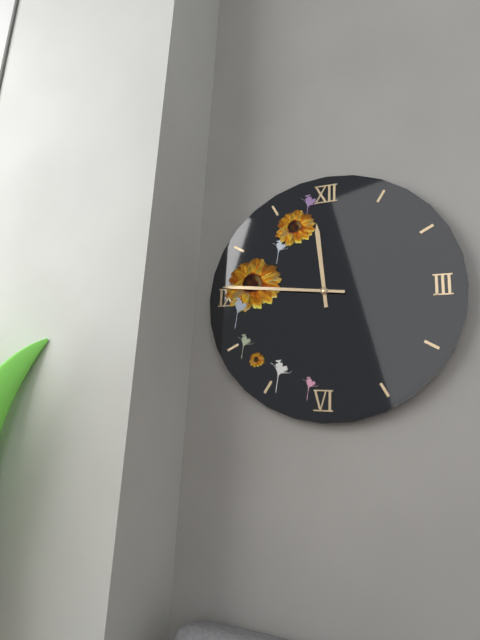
11,46
